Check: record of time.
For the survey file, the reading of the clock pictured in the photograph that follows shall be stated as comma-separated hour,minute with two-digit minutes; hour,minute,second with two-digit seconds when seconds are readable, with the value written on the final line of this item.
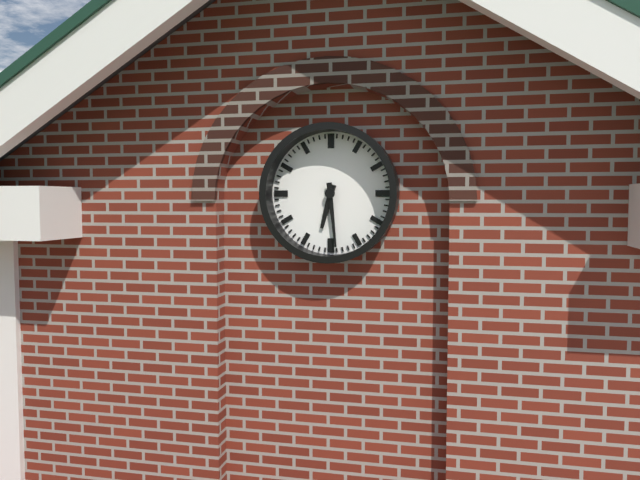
6,29
